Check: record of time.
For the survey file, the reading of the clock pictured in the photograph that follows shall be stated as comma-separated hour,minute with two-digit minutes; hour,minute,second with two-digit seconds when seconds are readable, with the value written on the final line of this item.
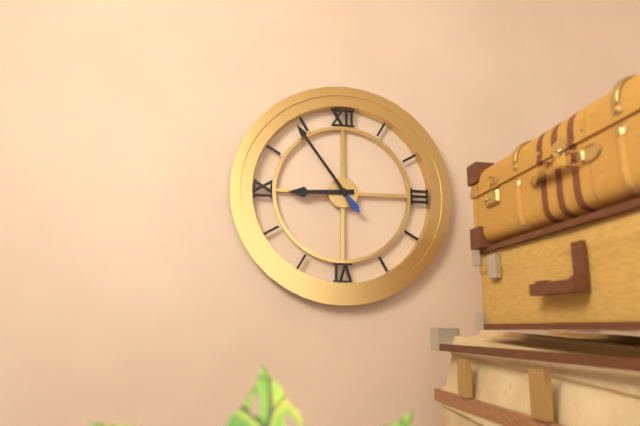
8,54
